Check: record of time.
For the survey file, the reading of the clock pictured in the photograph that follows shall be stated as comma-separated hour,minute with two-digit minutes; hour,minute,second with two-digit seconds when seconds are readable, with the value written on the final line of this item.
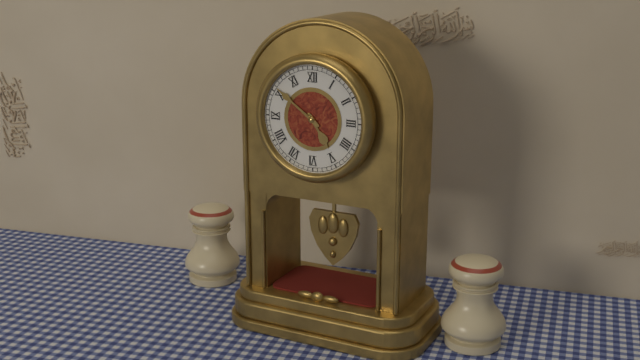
4,51
